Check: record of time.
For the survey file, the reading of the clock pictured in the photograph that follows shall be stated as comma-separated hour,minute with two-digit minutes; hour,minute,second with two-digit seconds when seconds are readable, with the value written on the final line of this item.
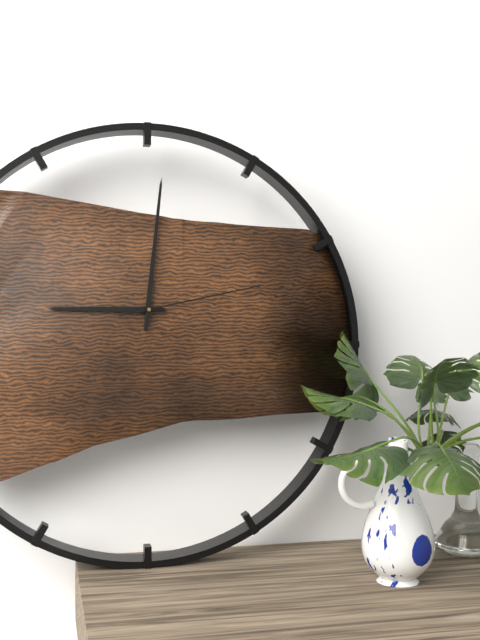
9,01,13
